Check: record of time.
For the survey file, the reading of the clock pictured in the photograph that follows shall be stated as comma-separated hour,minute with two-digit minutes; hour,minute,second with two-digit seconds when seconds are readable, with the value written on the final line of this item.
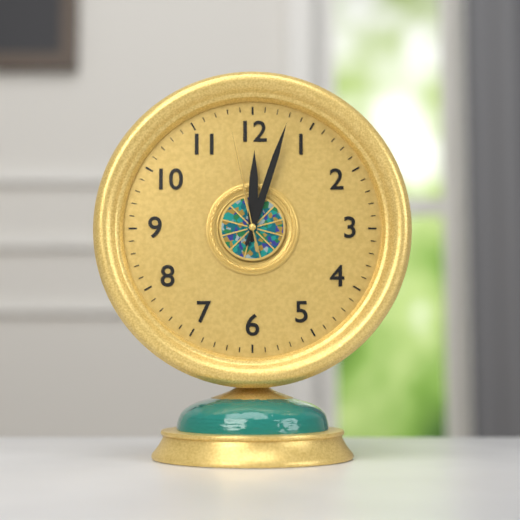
12,03,58
